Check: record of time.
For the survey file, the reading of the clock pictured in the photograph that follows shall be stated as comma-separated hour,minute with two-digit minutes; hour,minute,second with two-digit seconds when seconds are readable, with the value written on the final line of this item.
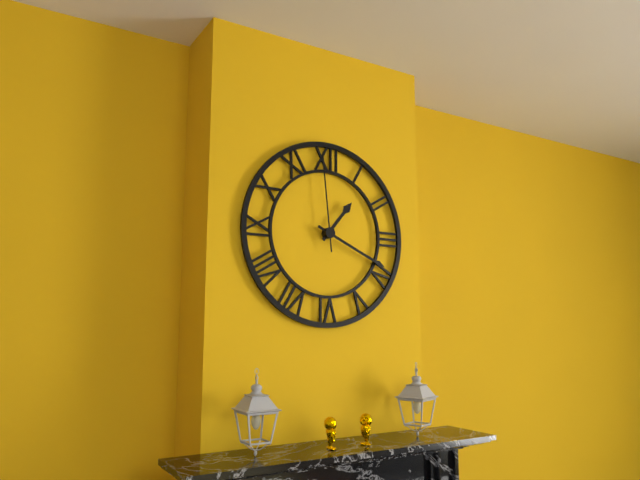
1,19,59
